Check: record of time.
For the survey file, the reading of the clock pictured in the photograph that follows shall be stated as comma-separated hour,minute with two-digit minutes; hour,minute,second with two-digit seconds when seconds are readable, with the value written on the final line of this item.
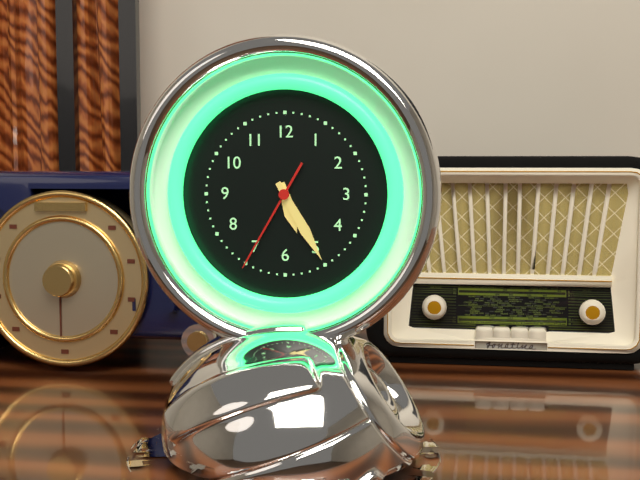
5,25,35
